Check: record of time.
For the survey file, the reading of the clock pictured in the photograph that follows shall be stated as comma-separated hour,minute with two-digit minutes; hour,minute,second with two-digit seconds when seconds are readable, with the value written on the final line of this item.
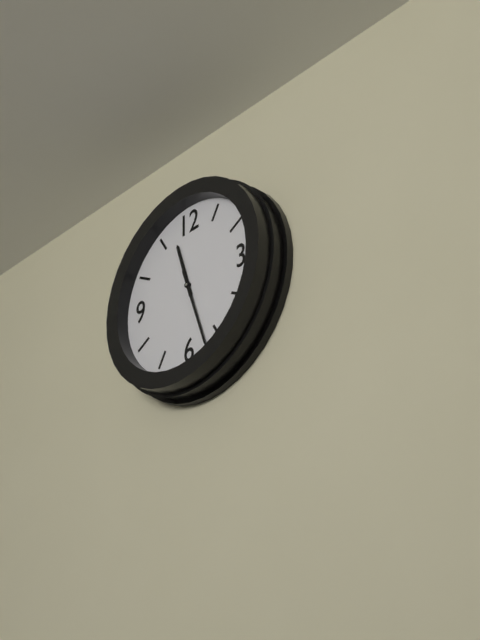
11,27
